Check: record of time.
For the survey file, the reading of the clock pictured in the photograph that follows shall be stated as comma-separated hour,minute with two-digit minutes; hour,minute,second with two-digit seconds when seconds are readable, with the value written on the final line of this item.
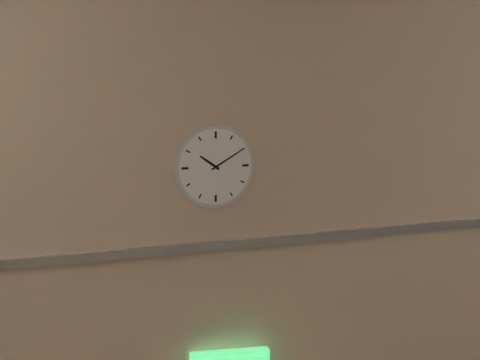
10,10
